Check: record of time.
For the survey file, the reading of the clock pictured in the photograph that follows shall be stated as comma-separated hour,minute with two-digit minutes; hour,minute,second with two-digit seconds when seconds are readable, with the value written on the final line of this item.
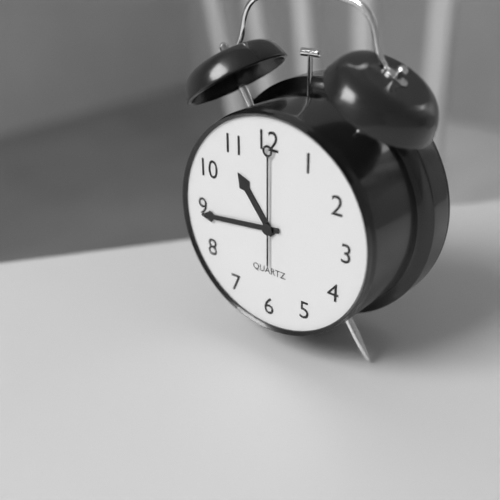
10,44,00
